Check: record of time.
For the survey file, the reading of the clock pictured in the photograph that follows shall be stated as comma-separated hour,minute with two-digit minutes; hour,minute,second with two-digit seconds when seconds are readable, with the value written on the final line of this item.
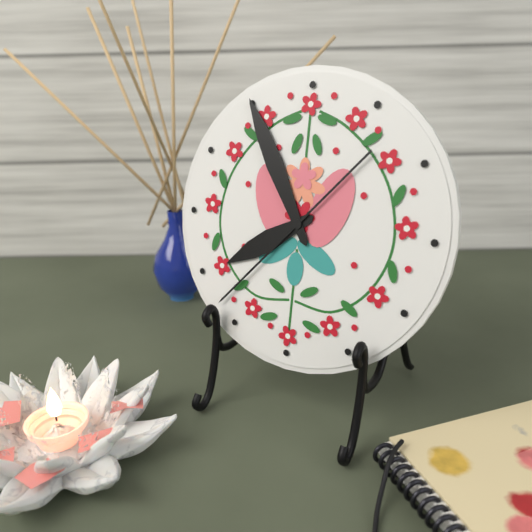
7,55,37
